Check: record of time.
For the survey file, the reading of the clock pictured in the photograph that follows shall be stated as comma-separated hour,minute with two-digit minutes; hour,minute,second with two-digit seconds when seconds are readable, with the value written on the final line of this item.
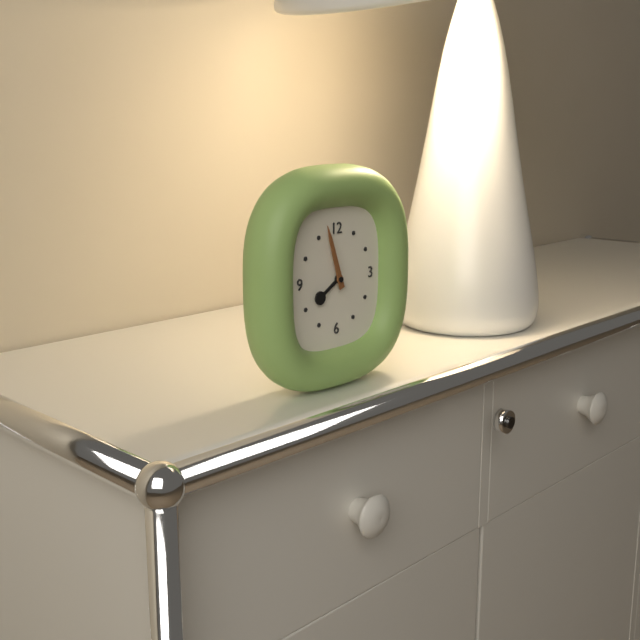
7,57
